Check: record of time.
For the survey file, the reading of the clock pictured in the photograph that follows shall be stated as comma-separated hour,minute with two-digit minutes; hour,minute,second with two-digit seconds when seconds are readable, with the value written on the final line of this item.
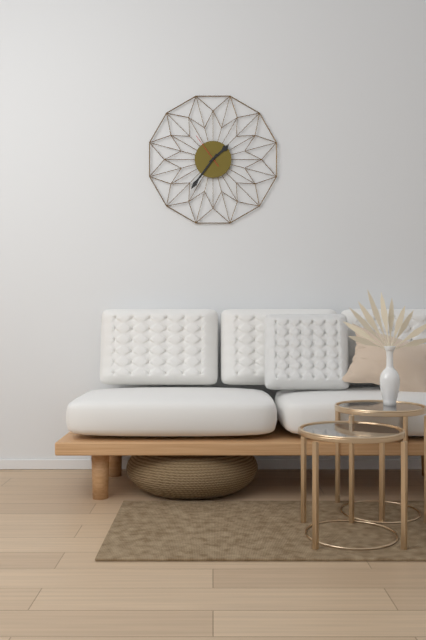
1,36
